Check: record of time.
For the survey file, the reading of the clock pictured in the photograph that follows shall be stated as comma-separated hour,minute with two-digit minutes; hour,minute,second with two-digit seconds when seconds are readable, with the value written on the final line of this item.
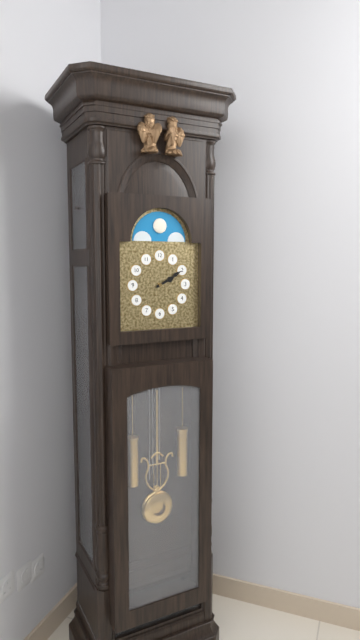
2,10
